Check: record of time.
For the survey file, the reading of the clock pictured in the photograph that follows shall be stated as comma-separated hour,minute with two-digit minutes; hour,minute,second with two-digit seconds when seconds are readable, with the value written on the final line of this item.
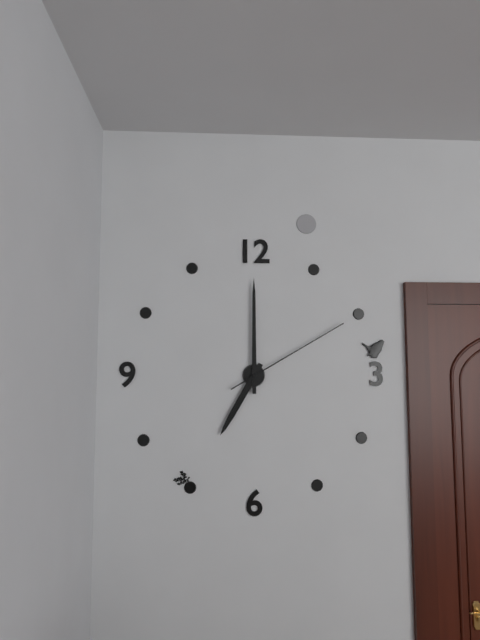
7,00,10
